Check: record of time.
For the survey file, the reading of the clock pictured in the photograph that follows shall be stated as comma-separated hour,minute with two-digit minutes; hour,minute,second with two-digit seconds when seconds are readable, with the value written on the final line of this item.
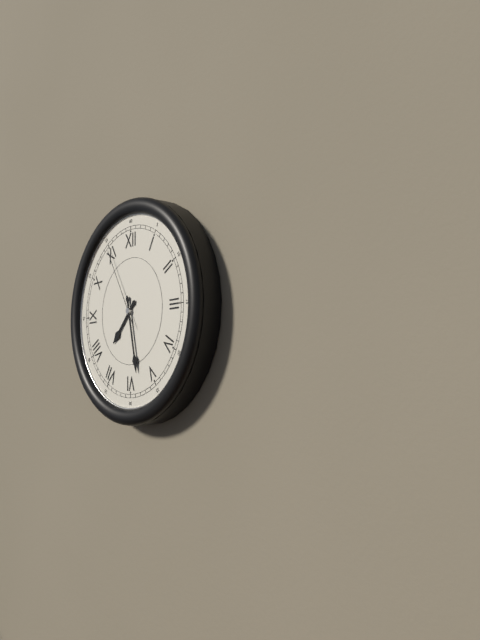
7,28,55
